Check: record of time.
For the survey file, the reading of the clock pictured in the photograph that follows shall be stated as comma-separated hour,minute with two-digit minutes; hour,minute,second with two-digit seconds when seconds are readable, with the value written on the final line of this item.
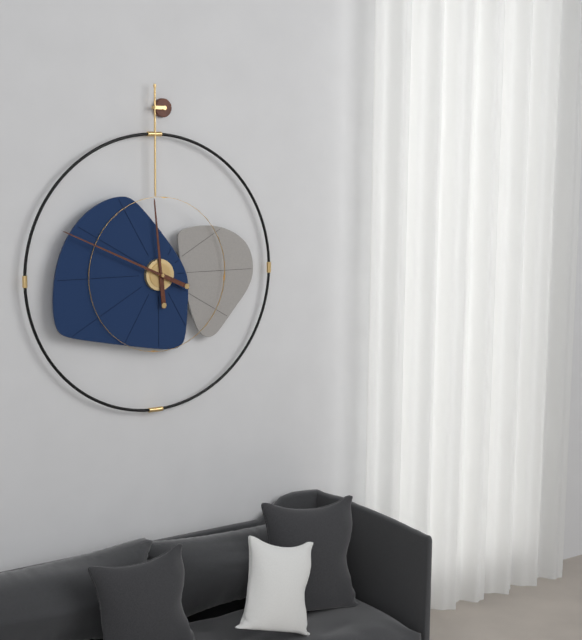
11,49
